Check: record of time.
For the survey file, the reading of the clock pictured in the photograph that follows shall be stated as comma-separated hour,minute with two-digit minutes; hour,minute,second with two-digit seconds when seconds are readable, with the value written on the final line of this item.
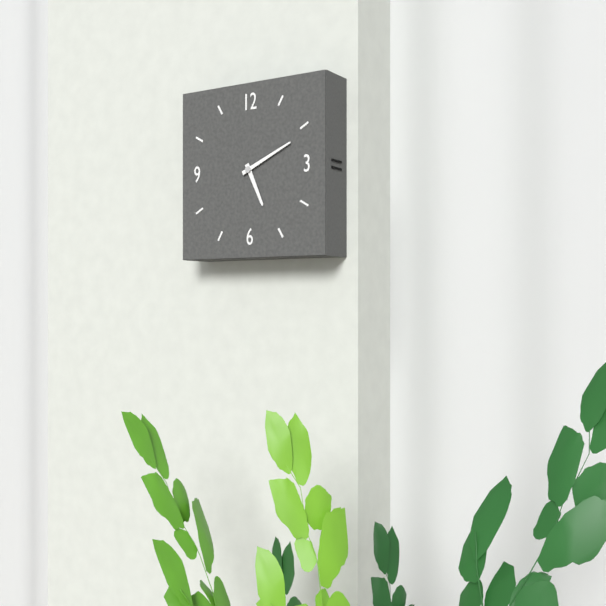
5,11
